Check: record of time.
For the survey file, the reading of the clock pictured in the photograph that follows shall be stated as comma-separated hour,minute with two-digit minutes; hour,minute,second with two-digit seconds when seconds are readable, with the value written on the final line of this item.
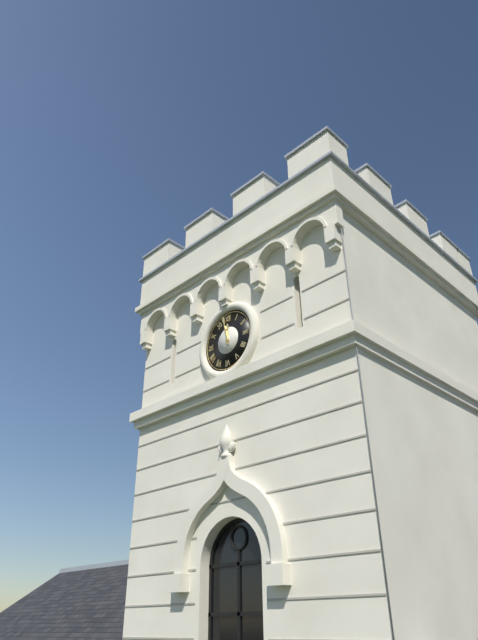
11,58
